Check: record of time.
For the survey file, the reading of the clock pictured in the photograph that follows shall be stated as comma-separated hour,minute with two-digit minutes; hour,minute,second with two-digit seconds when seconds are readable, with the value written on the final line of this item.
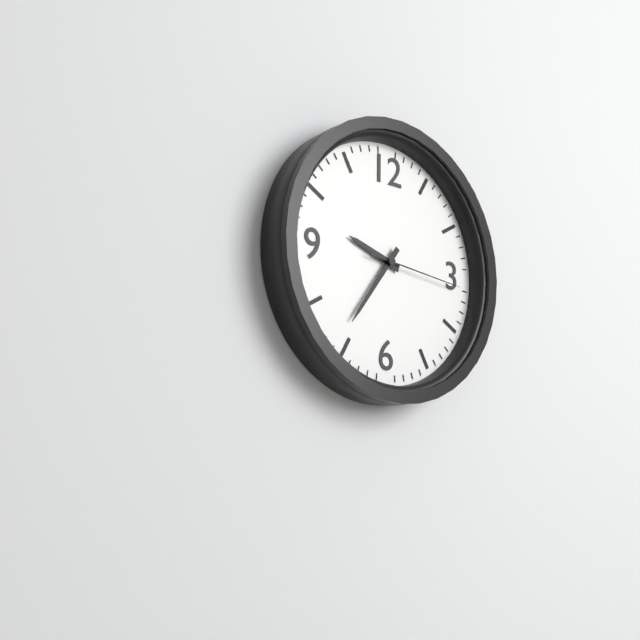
9,36,16
